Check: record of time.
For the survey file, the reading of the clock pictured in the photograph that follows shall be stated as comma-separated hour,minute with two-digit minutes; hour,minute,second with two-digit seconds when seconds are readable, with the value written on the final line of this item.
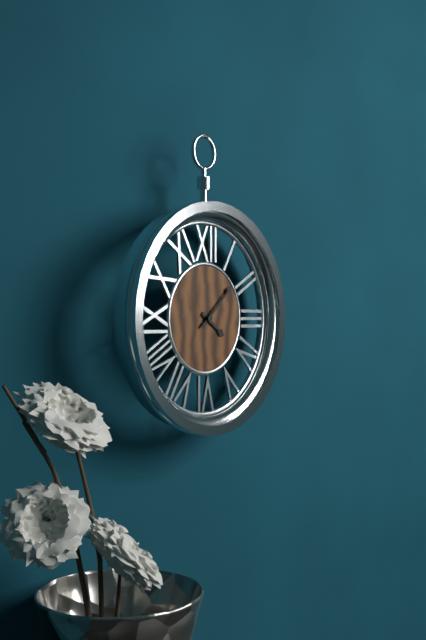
4,08
